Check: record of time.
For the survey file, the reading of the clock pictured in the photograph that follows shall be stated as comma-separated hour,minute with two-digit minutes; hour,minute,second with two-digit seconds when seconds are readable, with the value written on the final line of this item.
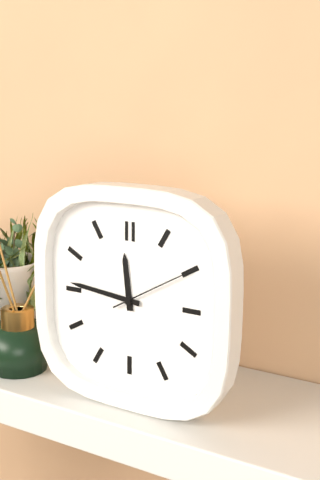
11,46,10
